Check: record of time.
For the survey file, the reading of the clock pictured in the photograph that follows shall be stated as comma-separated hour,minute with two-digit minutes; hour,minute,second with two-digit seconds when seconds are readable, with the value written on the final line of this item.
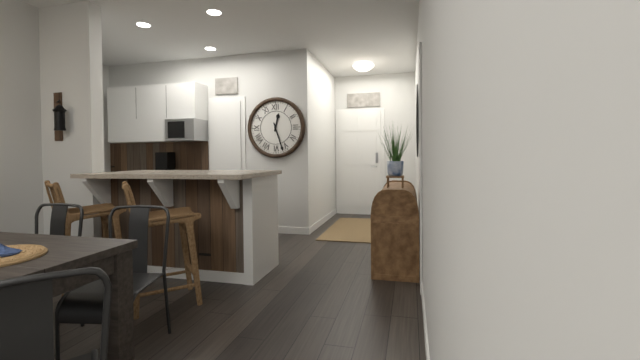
12,27
